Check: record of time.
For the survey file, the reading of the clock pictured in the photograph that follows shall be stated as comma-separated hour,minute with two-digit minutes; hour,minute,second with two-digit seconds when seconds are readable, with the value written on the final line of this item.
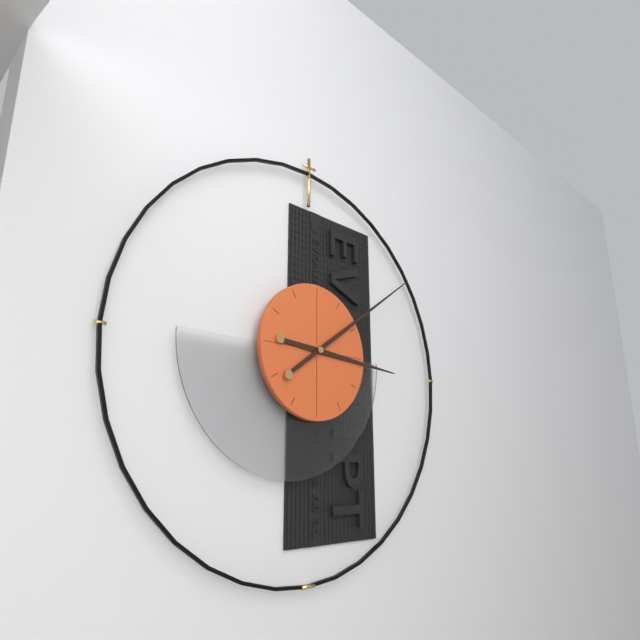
3,09
